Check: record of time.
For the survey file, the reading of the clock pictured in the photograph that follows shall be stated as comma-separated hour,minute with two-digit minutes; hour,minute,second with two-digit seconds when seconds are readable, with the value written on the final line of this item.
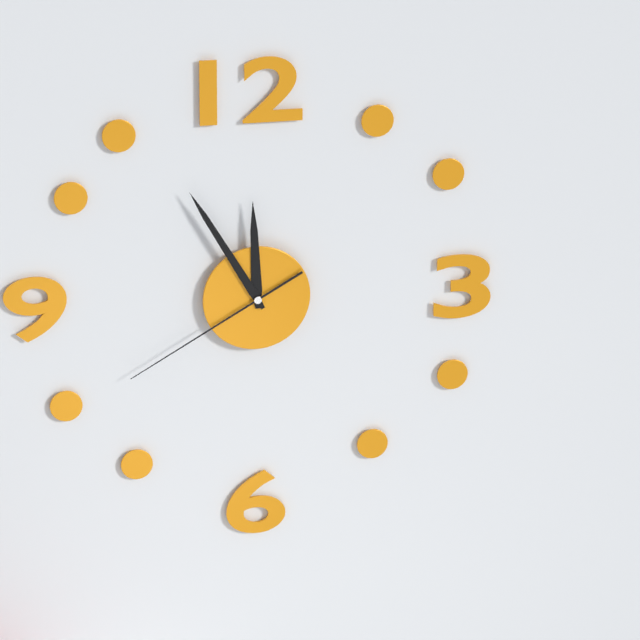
11,55,40
